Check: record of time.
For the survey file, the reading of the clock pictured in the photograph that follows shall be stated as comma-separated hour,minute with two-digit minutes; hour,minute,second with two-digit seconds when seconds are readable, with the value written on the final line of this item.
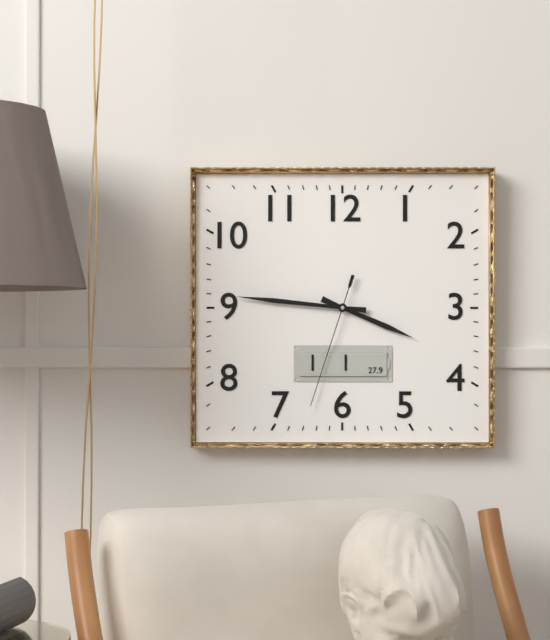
3,46,33
